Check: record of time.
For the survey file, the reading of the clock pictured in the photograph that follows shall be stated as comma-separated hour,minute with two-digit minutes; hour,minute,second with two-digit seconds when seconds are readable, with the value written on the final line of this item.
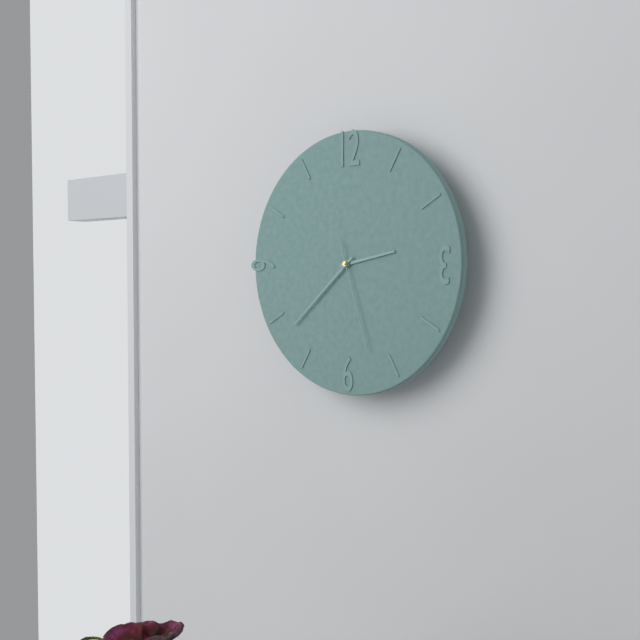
2,38,27
